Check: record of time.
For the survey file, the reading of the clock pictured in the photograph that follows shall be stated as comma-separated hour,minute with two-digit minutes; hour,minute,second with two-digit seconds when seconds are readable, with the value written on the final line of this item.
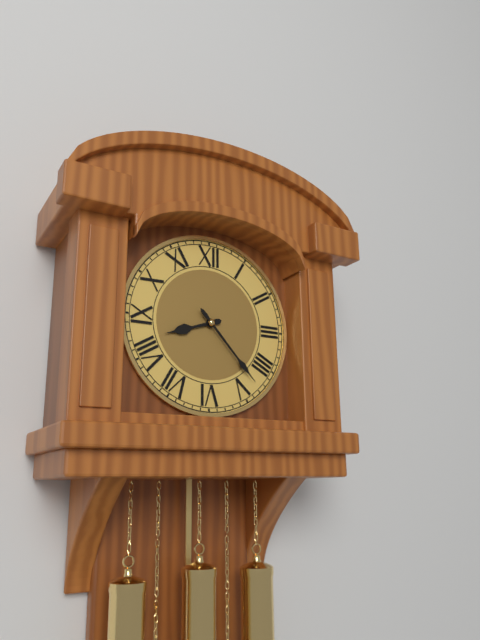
8,23
